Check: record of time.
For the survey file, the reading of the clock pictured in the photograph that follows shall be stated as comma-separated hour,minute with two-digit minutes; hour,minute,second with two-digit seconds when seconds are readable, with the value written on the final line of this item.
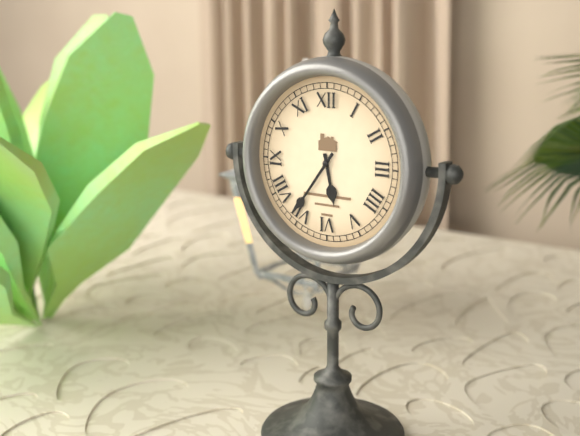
5,36
